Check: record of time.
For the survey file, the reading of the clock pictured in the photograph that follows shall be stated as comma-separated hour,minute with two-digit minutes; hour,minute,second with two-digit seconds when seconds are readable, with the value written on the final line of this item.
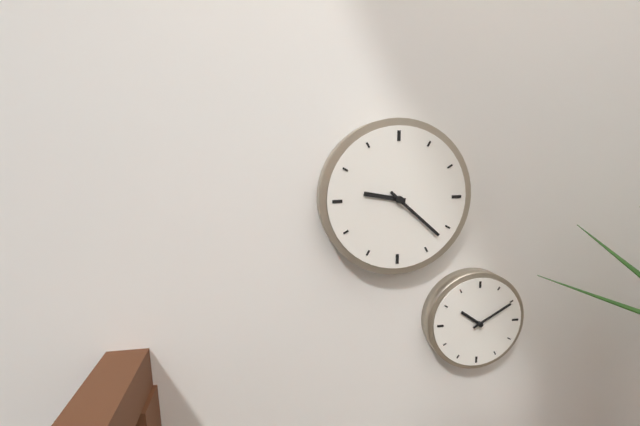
9,22
